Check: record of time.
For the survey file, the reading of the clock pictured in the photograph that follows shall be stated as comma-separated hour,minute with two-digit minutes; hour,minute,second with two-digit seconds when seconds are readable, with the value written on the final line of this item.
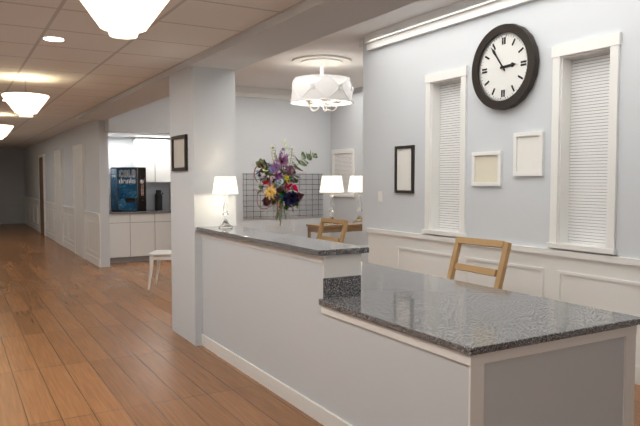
2,54
